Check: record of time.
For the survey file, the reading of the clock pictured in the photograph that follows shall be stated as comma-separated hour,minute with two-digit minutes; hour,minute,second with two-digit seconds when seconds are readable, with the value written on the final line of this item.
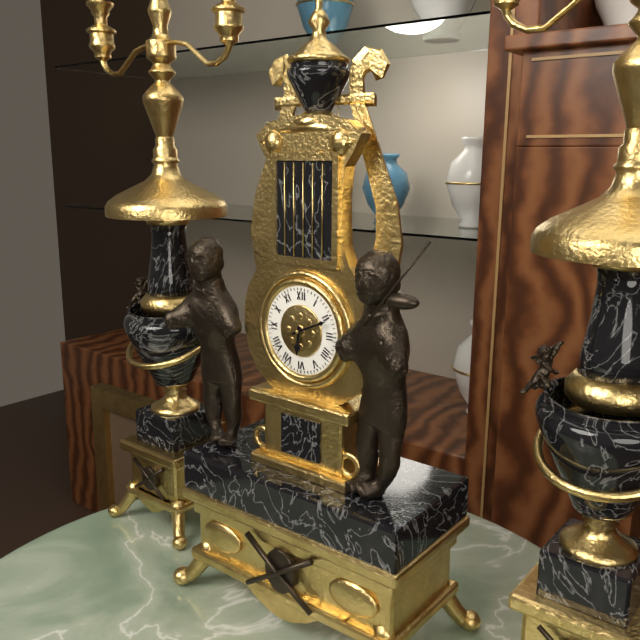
6,11
